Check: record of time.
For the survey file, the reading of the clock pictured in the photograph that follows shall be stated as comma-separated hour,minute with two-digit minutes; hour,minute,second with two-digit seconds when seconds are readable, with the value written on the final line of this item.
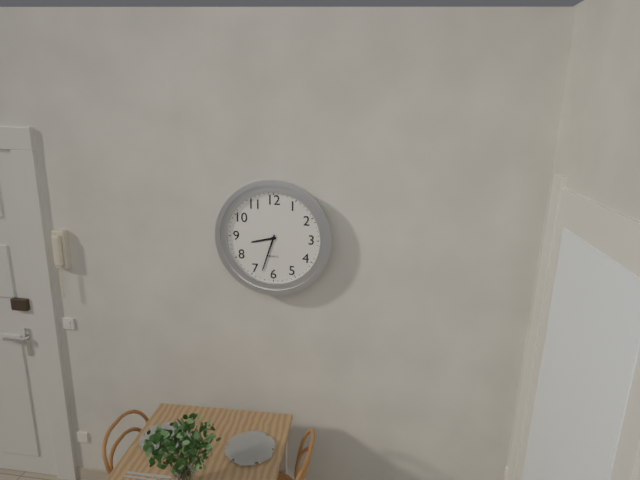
8,33
